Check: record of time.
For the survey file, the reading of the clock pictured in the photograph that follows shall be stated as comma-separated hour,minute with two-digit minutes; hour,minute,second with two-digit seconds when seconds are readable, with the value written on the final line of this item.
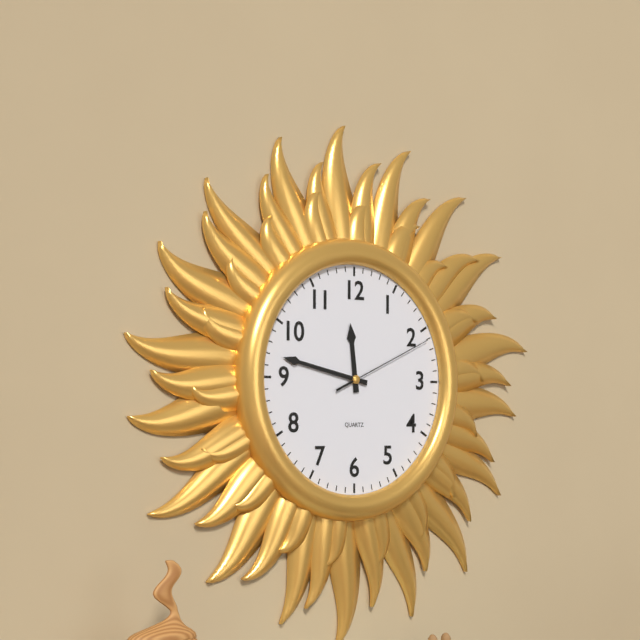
11,47,11
